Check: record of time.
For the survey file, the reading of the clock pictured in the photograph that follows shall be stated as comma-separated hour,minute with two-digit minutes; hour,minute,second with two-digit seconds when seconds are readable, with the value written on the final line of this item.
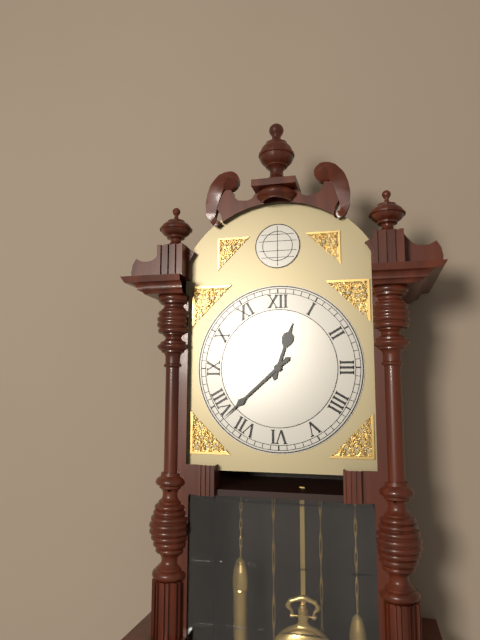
12,38
